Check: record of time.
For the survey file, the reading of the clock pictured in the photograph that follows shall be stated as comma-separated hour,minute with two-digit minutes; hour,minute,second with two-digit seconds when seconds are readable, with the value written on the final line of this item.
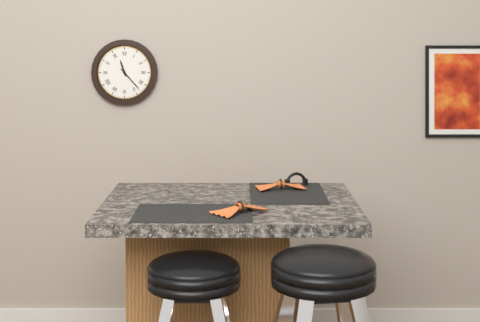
11,23
